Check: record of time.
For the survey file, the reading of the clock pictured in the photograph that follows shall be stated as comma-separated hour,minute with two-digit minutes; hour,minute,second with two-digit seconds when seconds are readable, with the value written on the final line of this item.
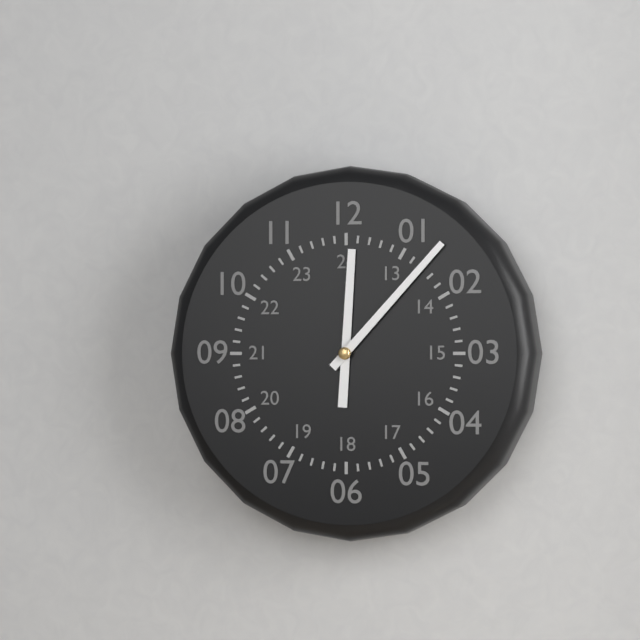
12,07
